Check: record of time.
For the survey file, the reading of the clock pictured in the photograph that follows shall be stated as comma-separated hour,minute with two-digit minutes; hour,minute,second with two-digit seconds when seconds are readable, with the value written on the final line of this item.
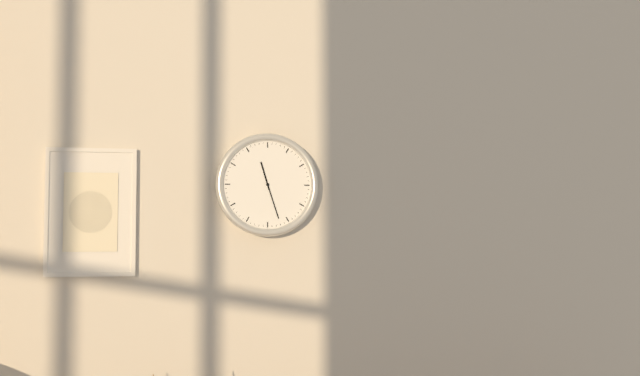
11,27
